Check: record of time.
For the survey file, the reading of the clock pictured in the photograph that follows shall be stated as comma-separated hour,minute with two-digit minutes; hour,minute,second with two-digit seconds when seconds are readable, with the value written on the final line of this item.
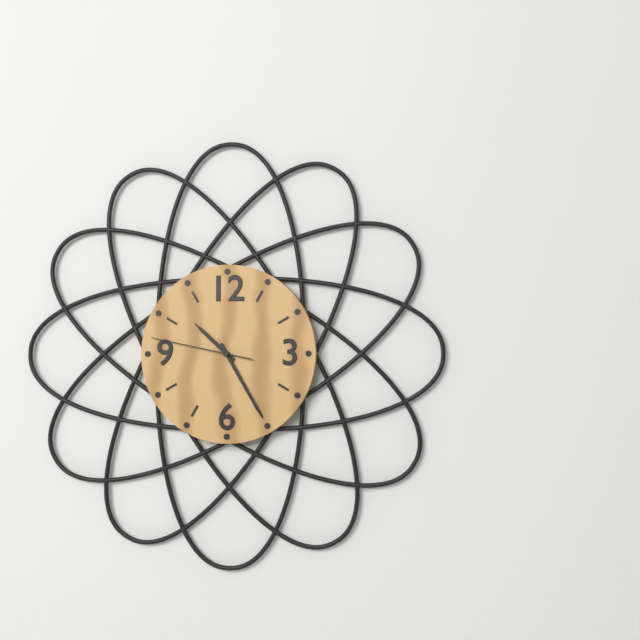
10,25,47
